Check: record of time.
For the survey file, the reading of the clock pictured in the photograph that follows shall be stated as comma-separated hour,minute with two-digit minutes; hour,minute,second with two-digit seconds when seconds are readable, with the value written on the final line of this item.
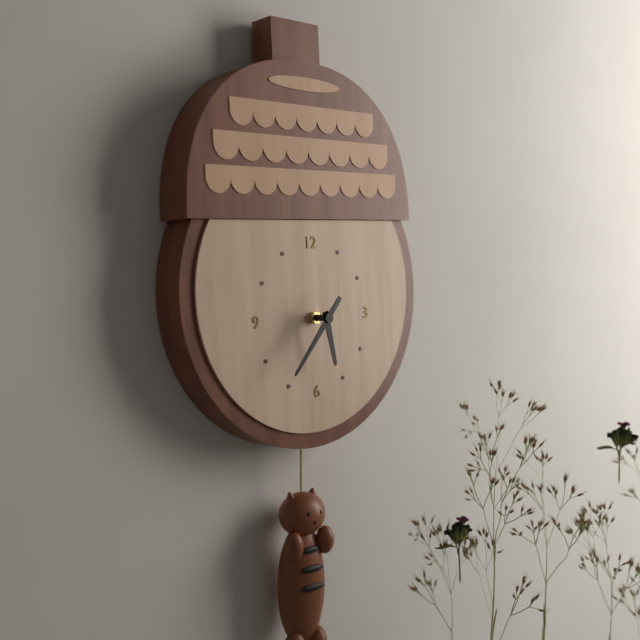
5,37
